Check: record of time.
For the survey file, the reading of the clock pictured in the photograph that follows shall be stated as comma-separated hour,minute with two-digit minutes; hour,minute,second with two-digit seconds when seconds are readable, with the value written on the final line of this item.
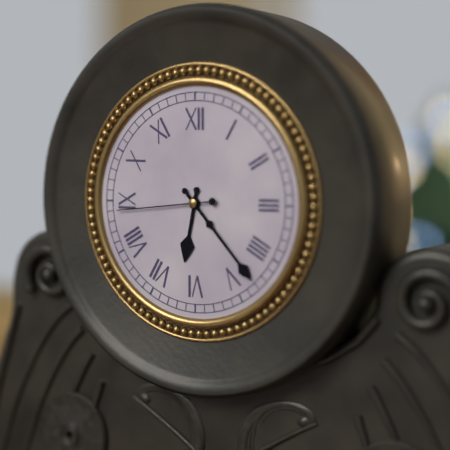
6,23,44
